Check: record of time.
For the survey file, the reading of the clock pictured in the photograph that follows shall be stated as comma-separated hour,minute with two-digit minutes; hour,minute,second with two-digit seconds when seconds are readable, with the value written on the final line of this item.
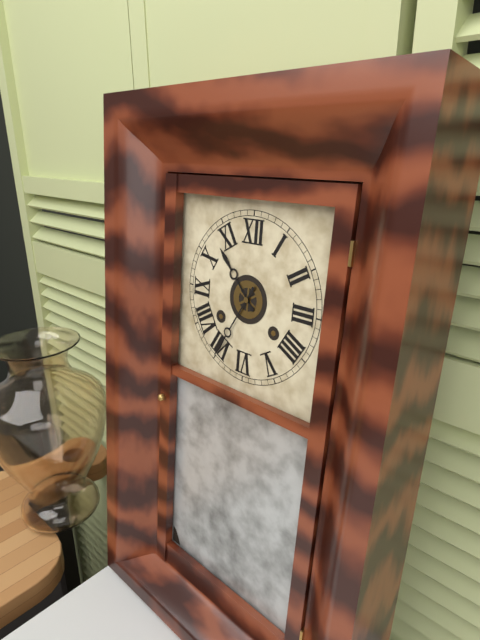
10,35
